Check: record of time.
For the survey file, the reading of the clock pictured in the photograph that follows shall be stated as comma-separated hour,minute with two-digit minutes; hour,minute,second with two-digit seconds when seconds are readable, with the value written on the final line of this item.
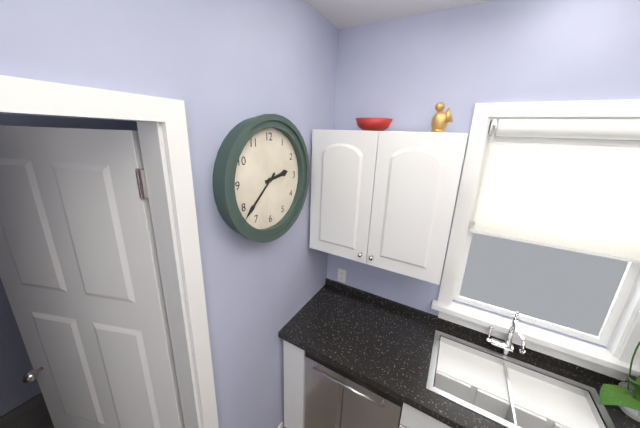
2,38
